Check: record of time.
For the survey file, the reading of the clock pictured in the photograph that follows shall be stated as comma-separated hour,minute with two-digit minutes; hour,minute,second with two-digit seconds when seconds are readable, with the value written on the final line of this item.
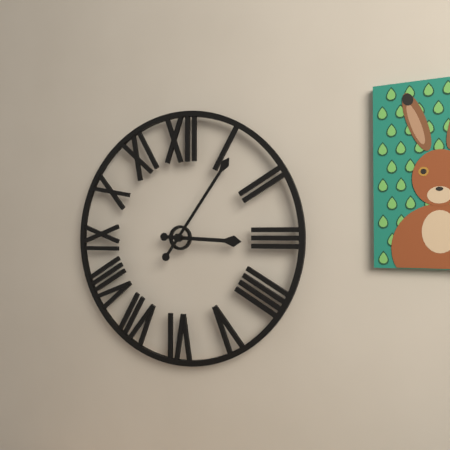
3,06
